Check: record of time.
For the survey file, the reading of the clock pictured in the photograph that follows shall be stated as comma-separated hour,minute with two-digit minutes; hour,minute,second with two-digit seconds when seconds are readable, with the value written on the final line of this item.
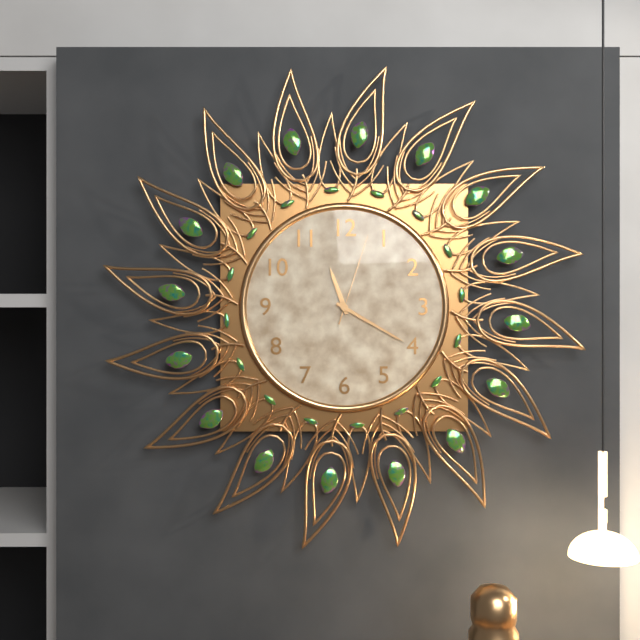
11,20,03
